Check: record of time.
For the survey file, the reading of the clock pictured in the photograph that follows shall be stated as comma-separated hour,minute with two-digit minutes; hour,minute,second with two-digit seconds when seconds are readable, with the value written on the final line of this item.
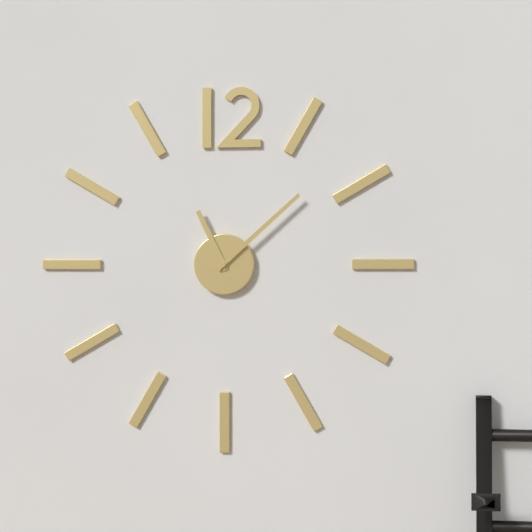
11,08
